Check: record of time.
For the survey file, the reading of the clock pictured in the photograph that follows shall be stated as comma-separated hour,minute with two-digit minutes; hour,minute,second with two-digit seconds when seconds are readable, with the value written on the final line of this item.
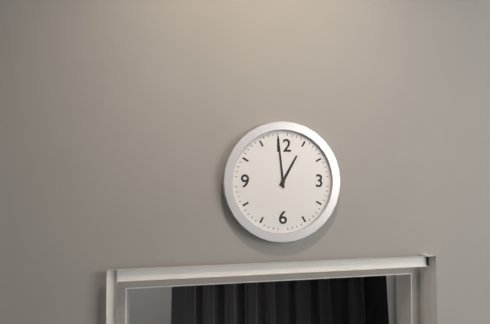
12,59
